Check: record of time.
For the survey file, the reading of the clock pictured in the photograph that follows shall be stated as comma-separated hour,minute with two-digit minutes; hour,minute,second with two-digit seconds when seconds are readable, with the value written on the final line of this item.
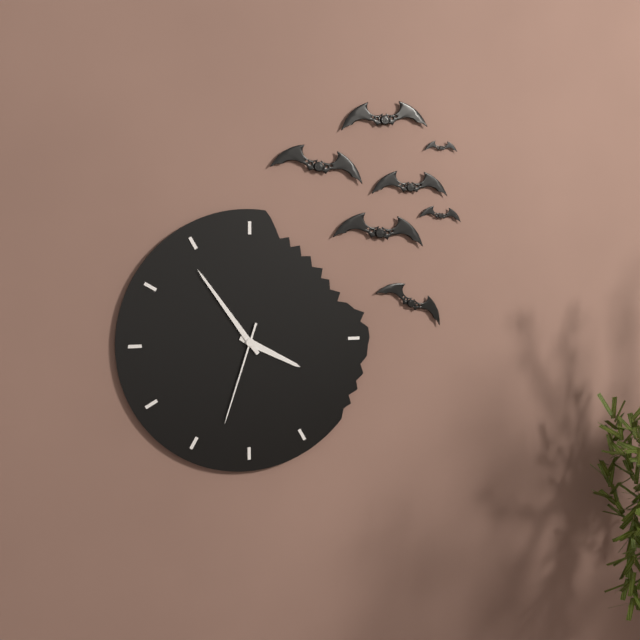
3,54,33
